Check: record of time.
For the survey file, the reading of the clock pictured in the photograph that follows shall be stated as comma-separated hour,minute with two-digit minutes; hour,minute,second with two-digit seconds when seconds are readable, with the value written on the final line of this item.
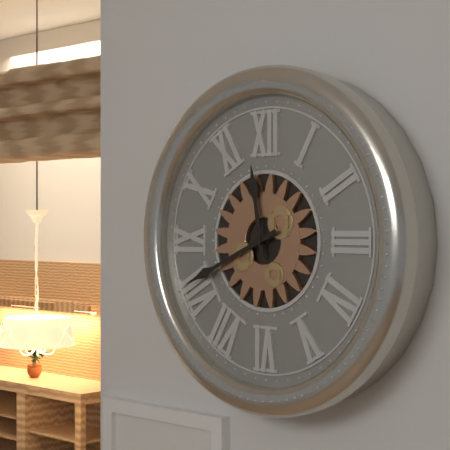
11,41
